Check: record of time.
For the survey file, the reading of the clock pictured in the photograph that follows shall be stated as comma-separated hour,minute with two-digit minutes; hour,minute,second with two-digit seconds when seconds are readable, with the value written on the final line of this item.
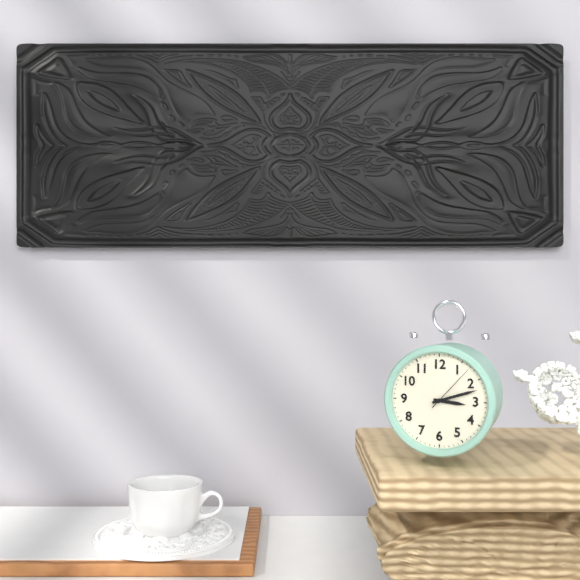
3,12,07
